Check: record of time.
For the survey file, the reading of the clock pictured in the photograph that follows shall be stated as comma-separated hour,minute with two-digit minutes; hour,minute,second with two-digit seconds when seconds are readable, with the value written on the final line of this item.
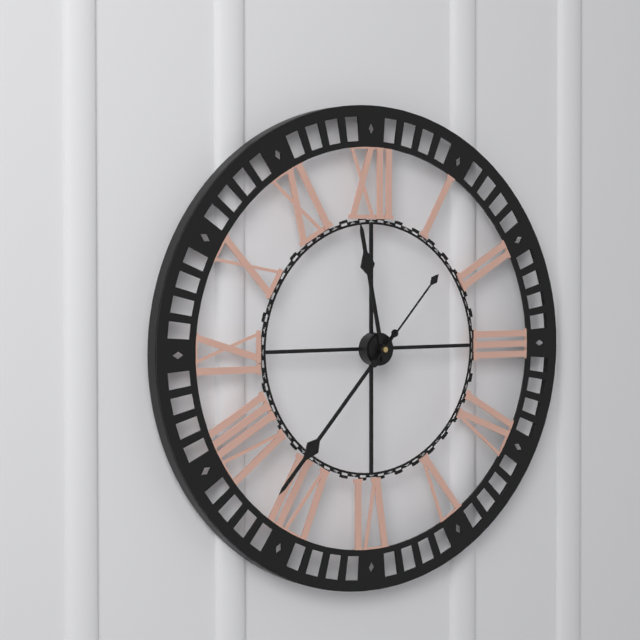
11,37,07
